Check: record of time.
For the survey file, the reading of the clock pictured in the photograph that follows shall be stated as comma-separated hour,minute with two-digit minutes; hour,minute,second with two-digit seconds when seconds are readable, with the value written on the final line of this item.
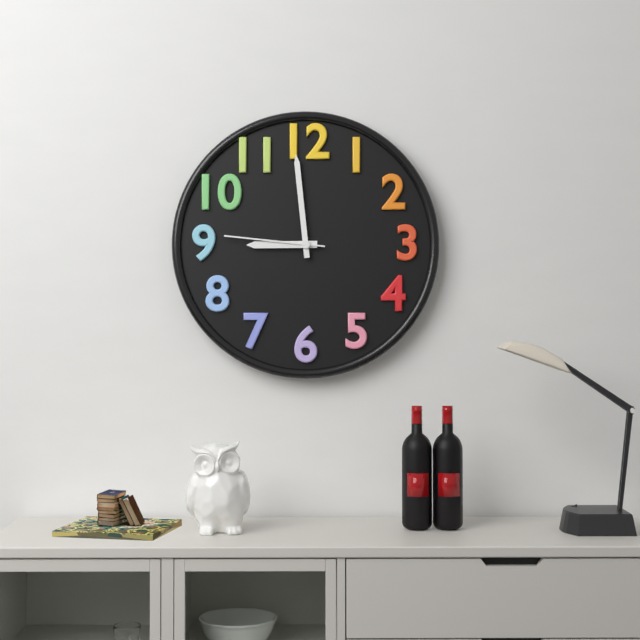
8,59,46
